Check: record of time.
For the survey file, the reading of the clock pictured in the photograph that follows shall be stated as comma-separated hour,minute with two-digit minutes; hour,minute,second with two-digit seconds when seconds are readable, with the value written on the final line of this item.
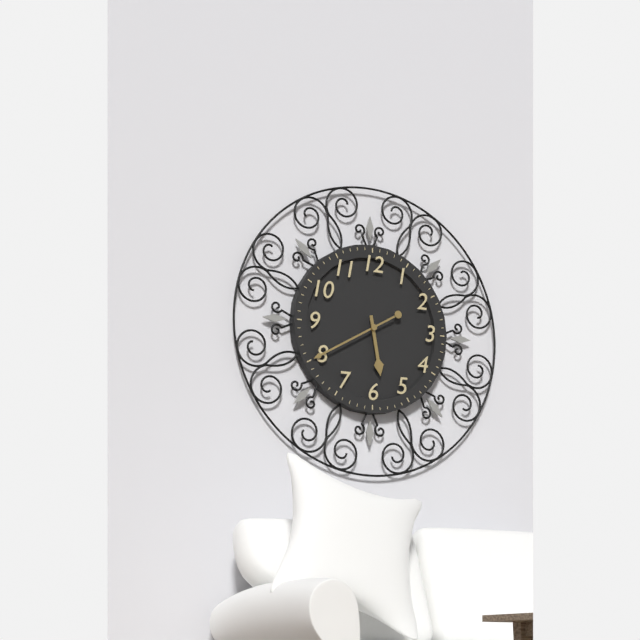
5,40
